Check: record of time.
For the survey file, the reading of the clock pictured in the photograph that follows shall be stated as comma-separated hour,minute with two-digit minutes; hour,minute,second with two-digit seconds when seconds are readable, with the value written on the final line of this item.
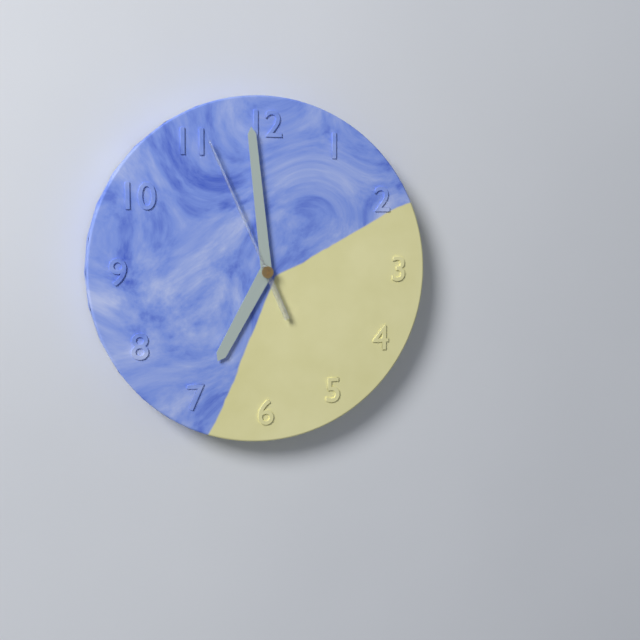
6,59,56
